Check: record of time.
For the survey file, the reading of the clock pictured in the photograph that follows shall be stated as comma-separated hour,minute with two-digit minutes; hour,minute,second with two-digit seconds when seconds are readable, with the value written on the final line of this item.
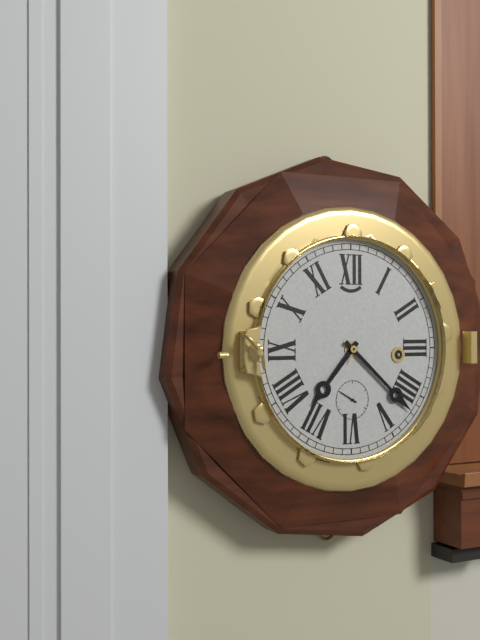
7,22
